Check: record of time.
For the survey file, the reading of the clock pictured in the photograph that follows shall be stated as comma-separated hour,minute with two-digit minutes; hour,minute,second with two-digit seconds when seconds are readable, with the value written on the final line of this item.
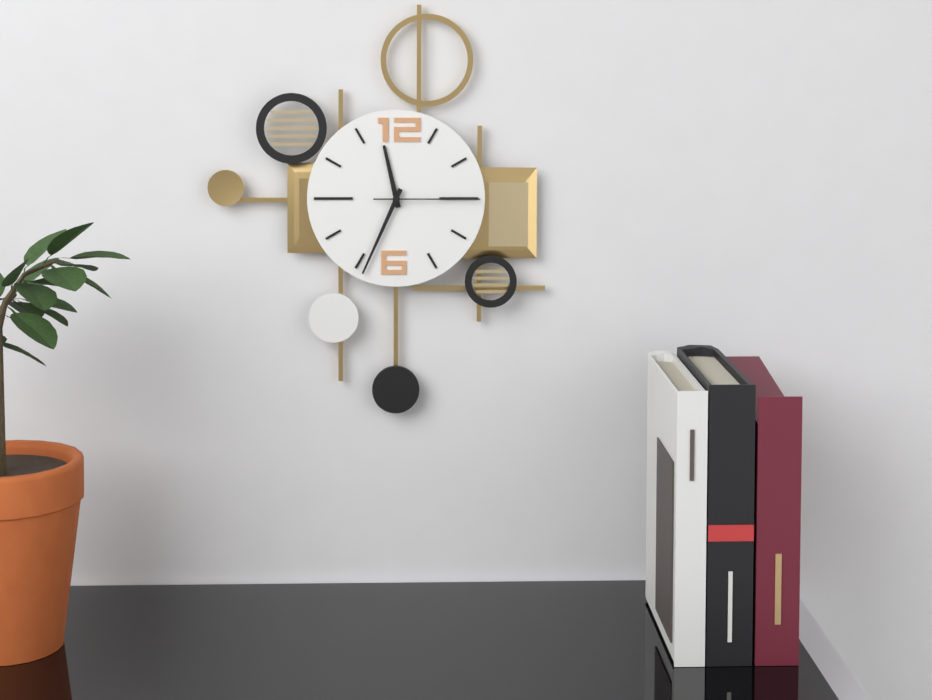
11,34,15
